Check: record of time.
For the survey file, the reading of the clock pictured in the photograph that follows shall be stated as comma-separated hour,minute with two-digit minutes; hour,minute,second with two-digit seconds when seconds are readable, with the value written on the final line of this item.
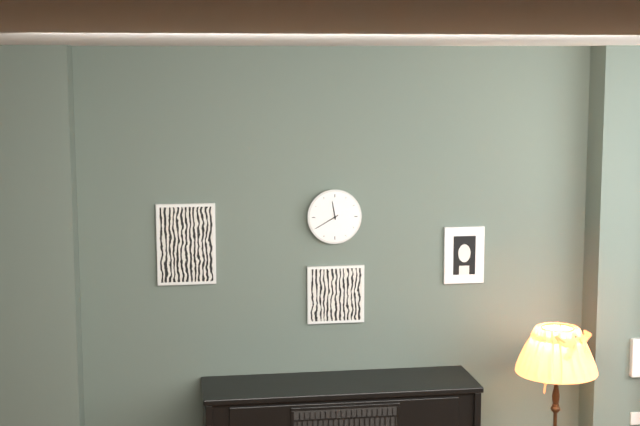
11,40
